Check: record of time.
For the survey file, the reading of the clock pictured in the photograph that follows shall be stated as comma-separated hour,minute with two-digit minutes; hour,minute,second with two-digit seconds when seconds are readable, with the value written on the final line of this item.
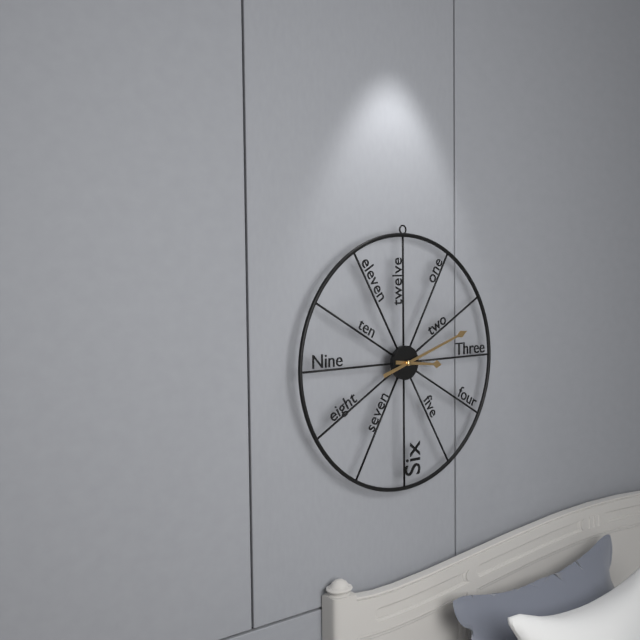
3,12
